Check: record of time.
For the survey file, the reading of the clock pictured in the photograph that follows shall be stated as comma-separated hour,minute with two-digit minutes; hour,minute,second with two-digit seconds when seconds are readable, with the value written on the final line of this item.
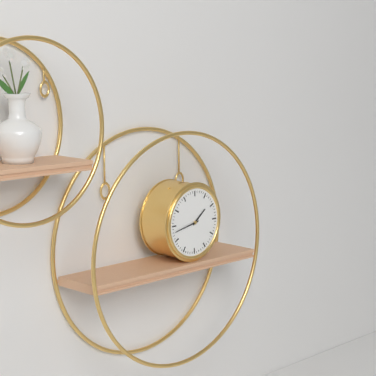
1,43
